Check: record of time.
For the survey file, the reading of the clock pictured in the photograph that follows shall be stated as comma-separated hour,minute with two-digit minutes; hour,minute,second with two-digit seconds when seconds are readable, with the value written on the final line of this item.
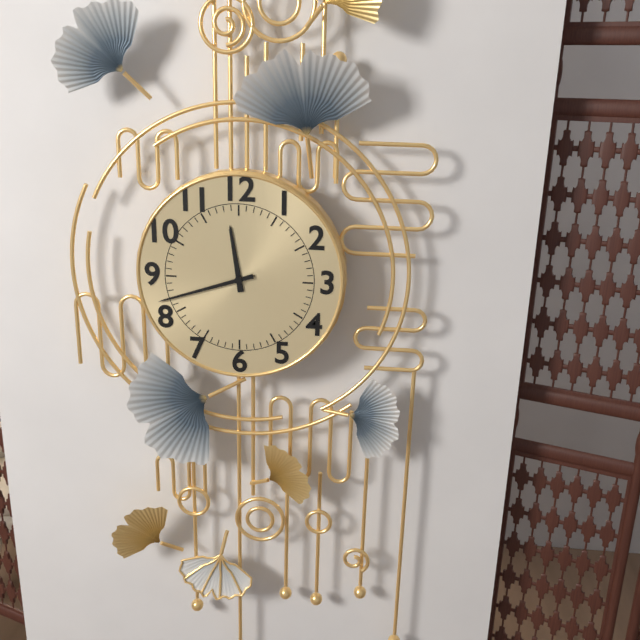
11,42
